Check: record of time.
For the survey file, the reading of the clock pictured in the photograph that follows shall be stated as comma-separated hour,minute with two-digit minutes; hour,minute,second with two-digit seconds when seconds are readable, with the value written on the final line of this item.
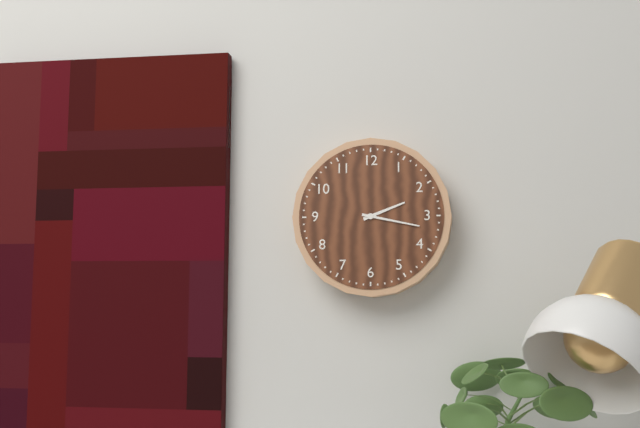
2,17
